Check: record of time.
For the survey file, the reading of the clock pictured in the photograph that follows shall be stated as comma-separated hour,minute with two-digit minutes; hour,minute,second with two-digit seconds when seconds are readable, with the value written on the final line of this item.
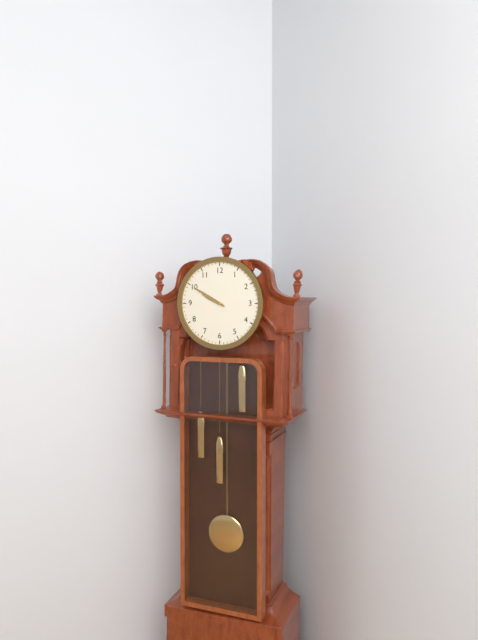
9,50
